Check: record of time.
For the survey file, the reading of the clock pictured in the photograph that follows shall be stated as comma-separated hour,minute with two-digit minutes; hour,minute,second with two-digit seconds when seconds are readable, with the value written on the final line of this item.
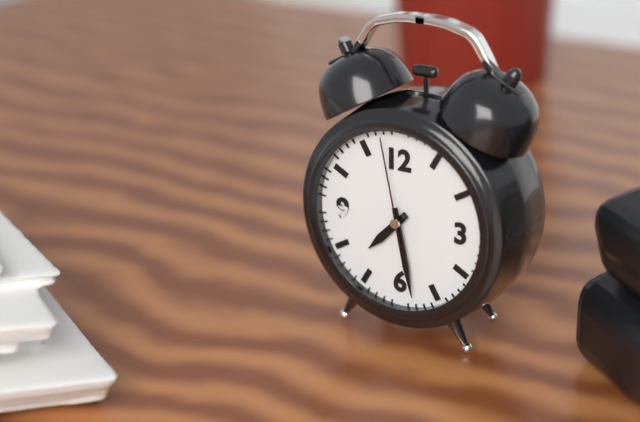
7,28,58
